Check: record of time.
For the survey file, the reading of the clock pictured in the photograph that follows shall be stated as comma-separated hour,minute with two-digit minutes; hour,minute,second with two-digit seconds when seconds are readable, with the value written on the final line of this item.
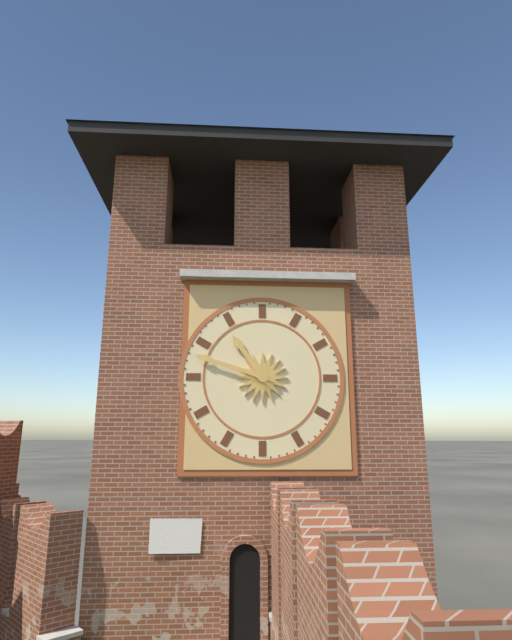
10,48
